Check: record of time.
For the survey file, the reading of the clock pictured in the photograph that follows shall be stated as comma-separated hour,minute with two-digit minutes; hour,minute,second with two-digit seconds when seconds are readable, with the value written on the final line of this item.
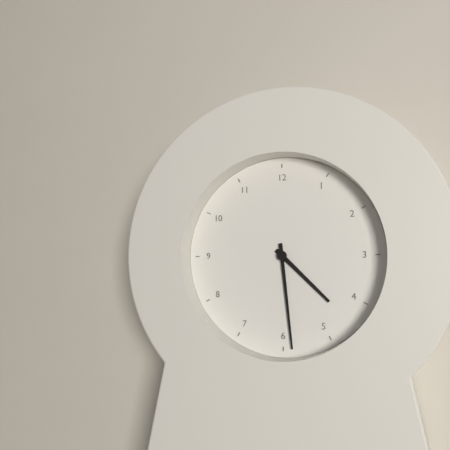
4,29
